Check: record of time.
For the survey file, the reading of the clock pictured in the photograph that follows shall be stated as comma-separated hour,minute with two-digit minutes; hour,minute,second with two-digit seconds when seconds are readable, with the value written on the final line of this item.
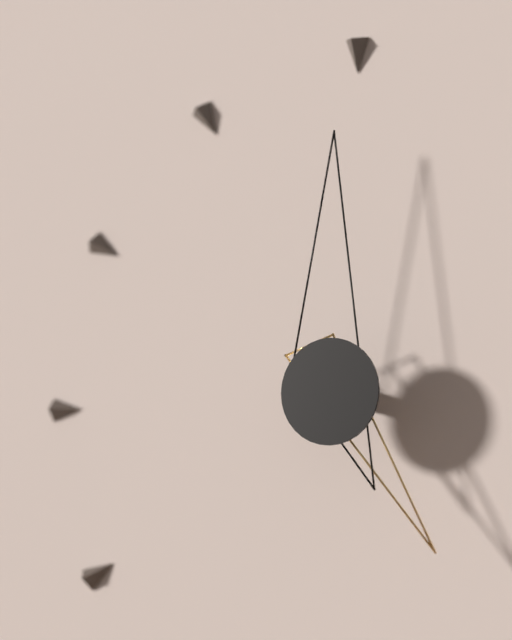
5,00
